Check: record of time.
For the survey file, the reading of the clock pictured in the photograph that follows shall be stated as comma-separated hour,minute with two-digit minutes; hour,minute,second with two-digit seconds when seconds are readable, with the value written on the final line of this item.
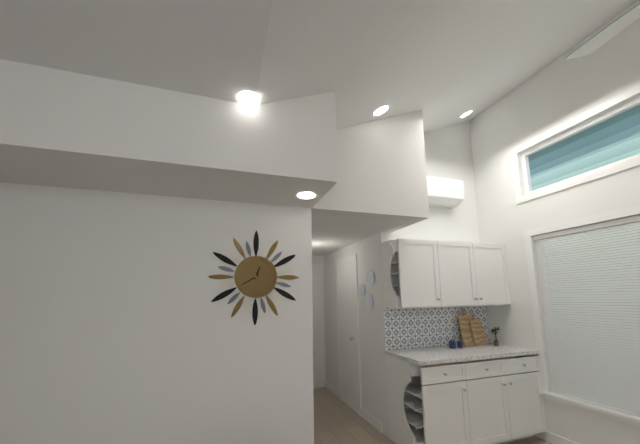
12,40
